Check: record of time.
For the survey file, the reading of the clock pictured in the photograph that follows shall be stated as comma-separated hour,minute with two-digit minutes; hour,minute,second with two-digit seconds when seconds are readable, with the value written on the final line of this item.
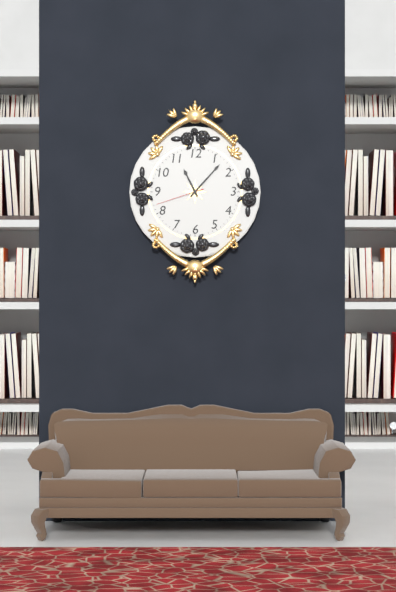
11,07,42
